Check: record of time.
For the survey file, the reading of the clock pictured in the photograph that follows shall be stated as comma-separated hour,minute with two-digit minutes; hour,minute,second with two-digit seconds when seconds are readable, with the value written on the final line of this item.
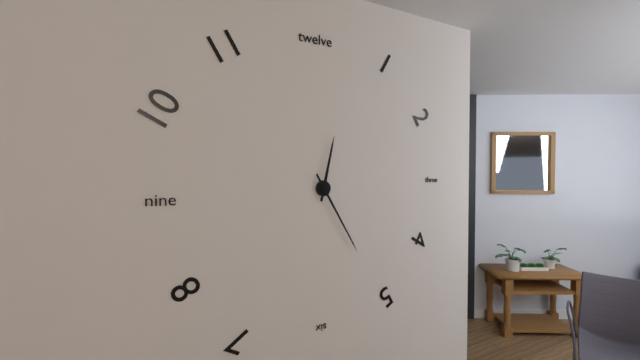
12,25
